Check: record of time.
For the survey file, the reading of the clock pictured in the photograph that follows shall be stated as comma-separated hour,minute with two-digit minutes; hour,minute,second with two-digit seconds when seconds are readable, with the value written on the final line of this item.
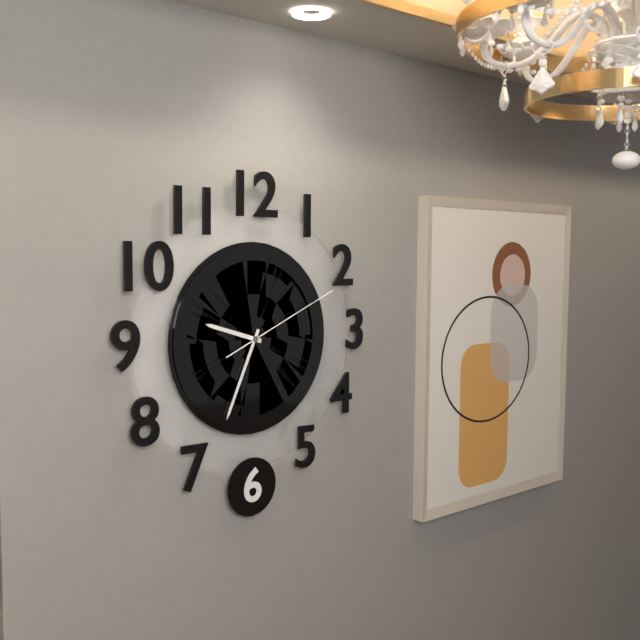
9,34,11
